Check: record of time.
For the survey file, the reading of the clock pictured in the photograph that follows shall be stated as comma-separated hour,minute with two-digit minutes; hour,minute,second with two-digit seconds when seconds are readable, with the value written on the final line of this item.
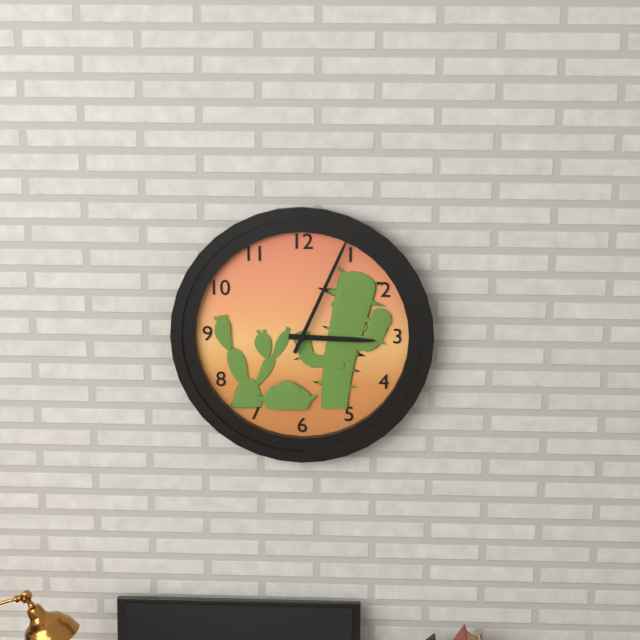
3,04
